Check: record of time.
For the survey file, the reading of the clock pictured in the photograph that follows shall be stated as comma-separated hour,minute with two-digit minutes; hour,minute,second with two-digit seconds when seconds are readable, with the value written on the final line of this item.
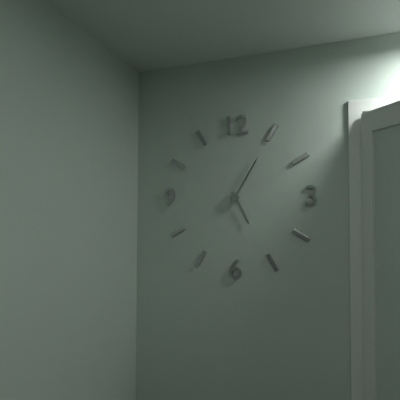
5,05
